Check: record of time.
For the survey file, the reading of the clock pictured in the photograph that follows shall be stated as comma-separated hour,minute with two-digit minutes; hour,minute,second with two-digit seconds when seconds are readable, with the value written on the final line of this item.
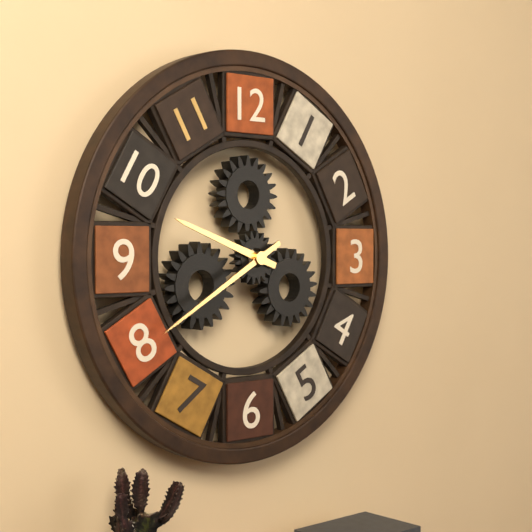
9,40
